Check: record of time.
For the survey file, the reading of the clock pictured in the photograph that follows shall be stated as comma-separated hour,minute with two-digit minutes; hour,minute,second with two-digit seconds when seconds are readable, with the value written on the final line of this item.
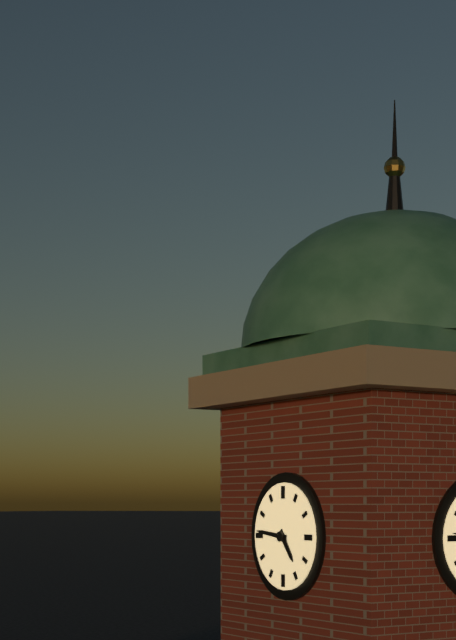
4,46
